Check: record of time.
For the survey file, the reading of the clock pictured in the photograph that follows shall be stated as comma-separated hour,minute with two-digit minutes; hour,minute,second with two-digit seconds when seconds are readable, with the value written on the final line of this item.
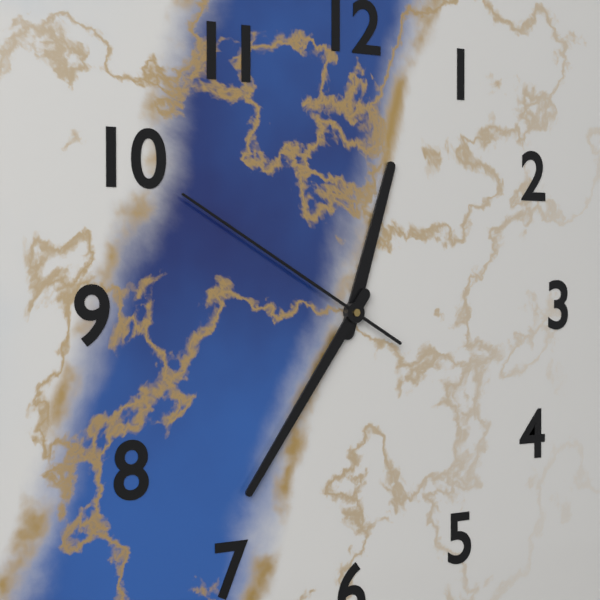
12,36,50
